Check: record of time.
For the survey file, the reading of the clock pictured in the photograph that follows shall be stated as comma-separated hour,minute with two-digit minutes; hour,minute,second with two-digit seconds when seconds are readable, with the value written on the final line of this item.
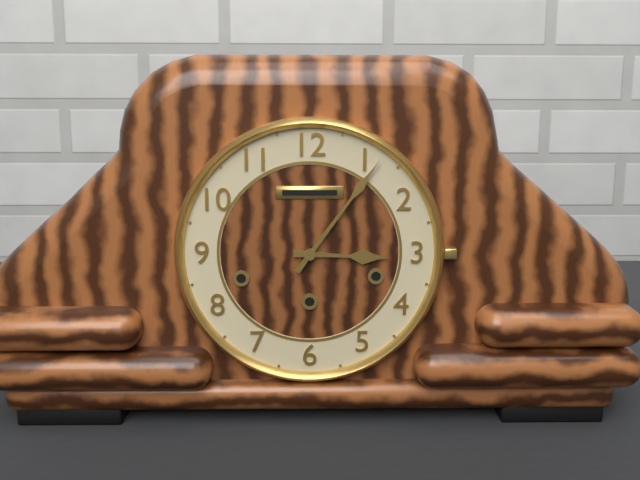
3,06
